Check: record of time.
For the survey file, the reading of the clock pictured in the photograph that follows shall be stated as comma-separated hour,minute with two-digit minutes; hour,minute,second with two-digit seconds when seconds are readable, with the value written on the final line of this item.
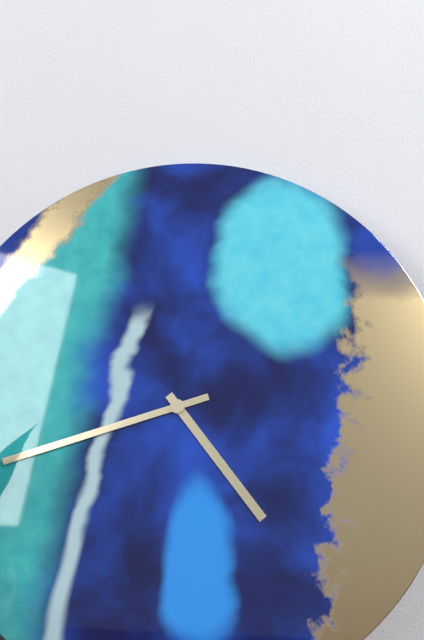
4,42
